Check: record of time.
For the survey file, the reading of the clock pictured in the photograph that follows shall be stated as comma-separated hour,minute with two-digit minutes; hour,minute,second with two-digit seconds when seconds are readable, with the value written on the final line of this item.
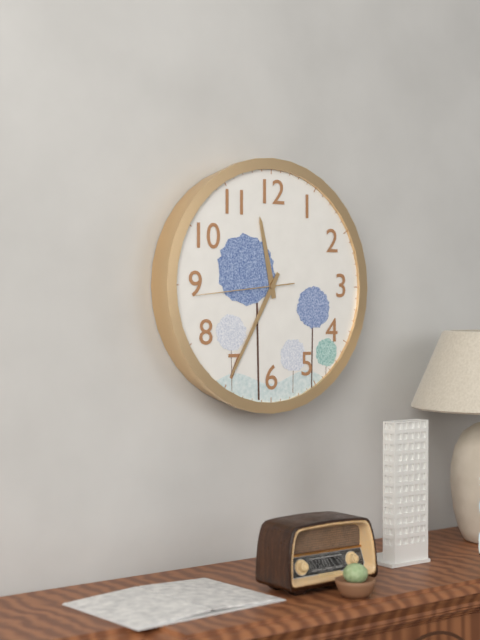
11,35,44
